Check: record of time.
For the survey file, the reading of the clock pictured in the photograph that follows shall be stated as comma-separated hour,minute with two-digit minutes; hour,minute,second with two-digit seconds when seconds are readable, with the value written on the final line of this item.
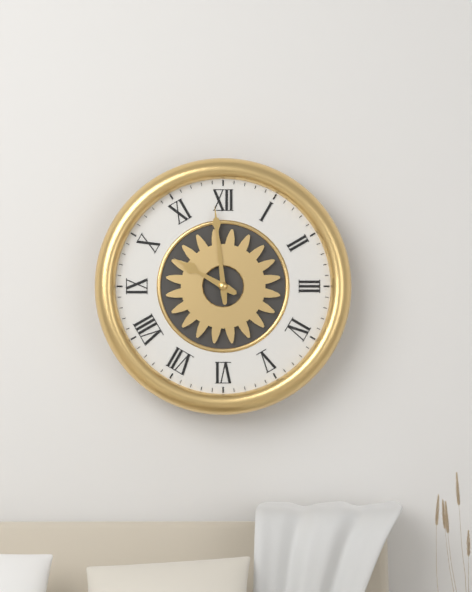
9,59
